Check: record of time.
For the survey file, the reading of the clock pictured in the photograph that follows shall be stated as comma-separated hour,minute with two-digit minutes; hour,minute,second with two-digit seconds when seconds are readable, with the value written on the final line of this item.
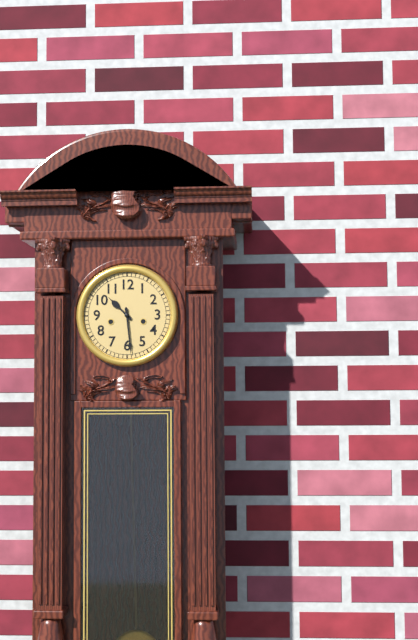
10,29
